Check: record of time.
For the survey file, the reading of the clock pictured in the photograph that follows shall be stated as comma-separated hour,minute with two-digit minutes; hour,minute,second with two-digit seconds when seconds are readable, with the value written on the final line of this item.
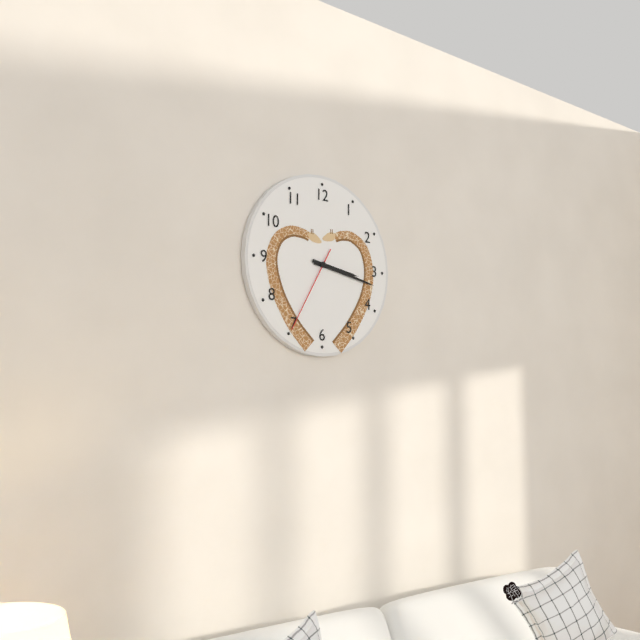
3,17,35
